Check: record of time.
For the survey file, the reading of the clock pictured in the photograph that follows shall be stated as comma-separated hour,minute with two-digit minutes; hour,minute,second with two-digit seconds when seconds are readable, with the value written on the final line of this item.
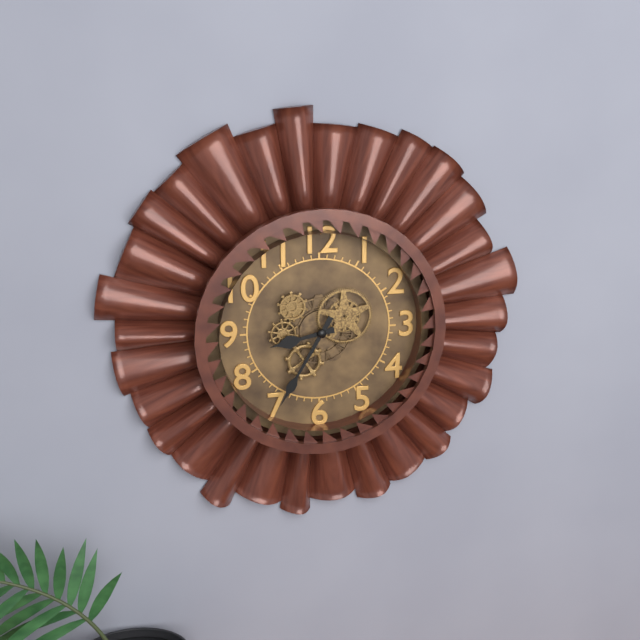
8,35
